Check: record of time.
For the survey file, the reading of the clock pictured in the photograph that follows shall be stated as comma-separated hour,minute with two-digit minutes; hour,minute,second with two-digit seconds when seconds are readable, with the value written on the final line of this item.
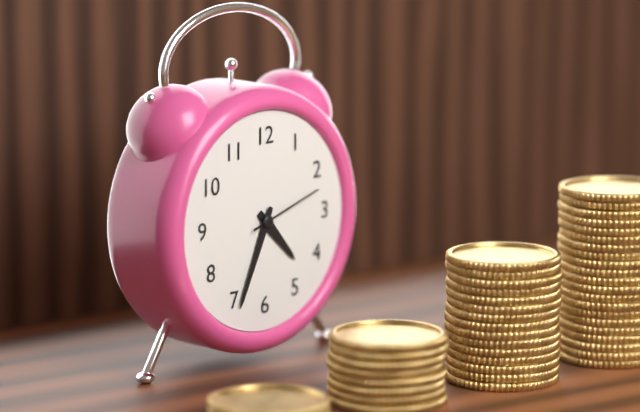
4,34,12
